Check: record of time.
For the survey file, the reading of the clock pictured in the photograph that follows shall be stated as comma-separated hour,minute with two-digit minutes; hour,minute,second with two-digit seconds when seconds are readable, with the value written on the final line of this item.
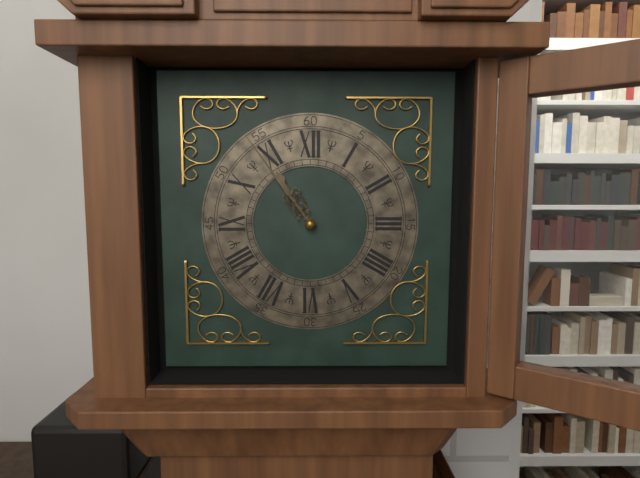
10,54
